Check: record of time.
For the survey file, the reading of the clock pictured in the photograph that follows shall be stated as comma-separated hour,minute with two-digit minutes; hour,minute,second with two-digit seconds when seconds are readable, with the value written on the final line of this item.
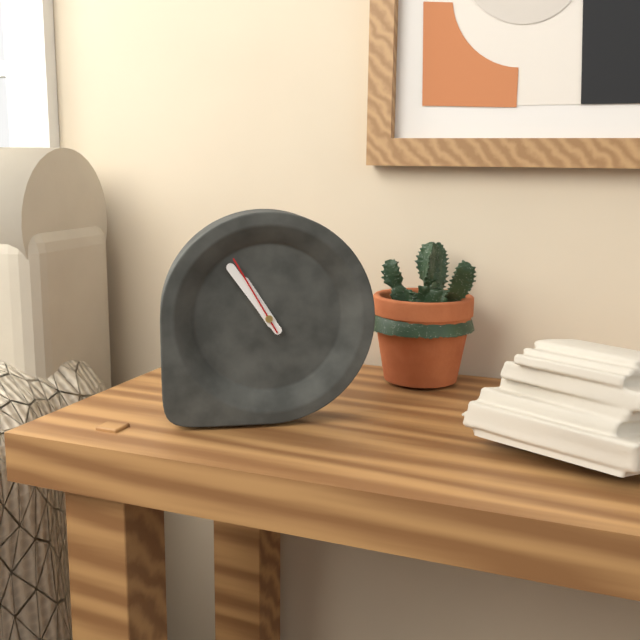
10,54,55
